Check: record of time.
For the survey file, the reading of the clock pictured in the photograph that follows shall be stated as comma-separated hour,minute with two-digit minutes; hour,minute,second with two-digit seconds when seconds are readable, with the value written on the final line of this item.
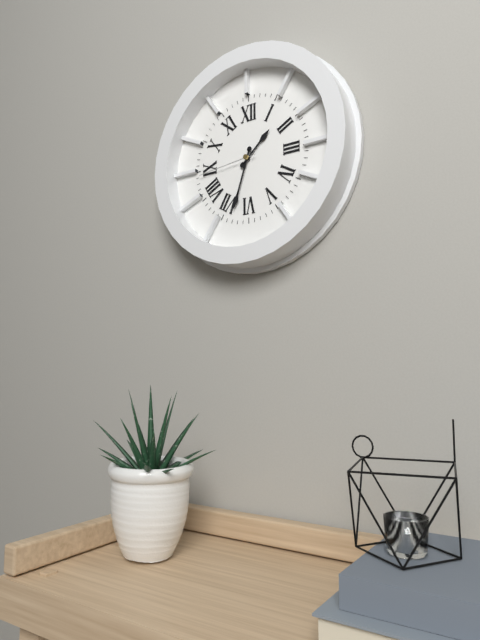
1,33,44
